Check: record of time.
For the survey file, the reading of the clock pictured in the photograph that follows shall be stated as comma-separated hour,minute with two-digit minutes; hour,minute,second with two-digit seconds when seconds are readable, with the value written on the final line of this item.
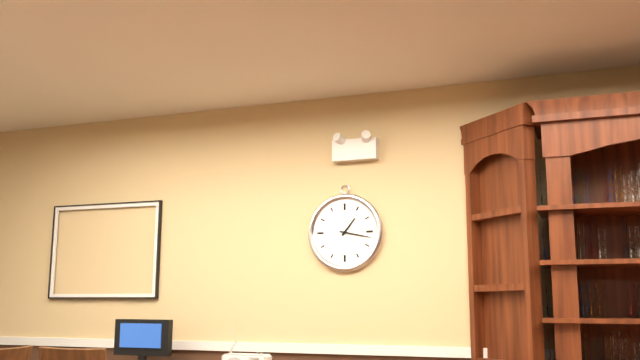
1,17
